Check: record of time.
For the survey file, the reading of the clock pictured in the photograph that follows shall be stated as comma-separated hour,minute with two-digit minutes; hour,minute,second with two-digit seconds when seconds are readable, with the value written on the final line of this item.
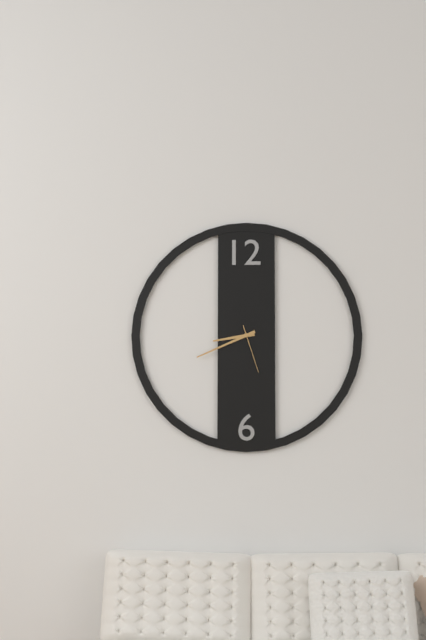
8,41
